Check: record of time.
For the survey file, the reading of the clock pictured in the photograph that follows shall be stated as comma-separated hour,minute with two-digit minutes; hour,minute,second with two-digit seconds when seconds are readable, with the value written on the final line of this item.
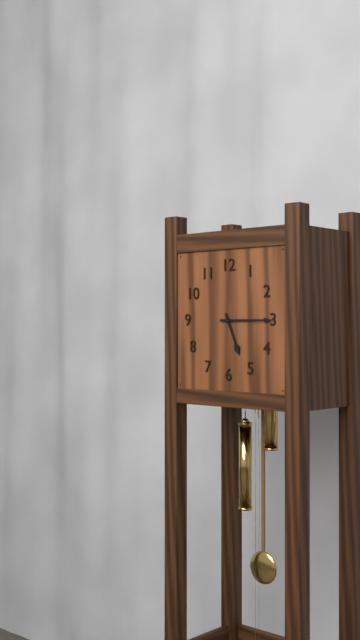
5,15
